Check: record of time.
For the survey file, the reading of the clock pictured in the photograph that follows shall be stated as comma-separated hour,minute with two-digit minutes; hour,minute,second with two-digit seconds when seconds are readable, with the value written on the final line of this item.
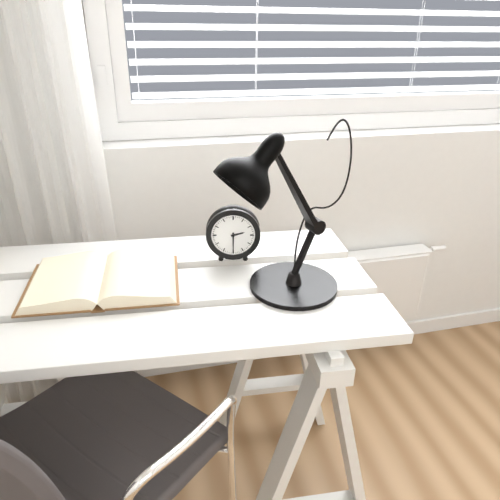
2,30
